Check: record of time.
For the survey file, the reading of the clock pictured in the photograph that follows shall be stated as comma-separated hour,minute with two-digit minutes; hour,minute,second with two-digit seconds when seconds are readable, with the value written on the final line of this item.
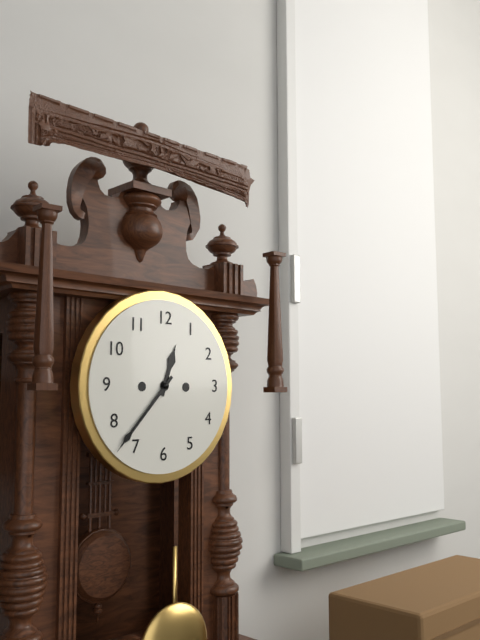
12,37
